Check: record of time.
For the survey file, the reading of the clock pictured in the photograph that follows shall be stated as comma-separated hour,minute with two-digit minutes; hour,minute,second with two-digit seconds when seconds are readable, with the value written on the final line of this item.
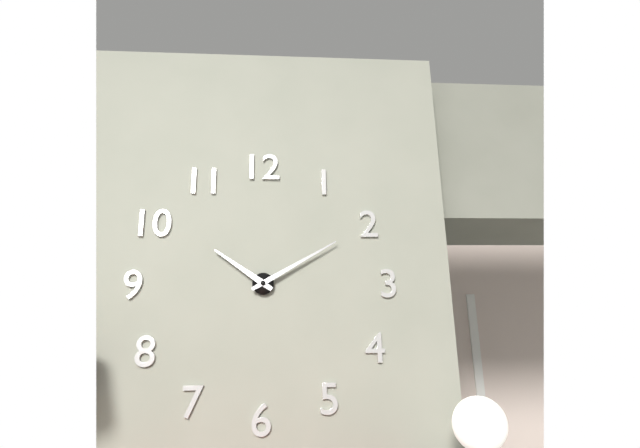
10,10
